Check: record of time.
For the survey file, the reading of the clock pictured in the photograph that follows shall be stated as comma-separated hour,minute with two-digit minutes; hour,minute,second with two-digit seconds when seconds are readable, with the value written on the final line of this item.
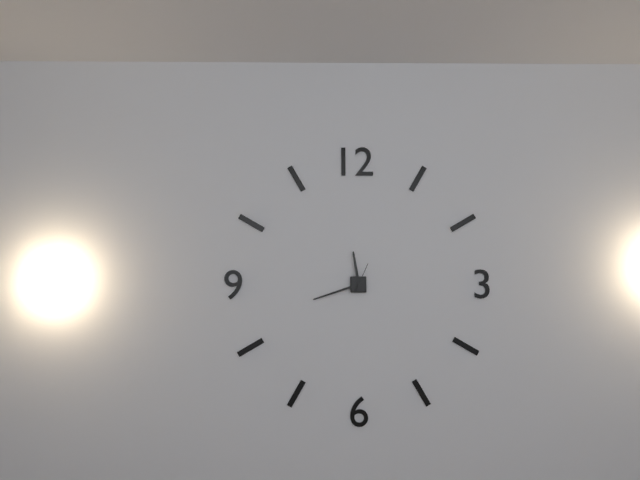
11,42
